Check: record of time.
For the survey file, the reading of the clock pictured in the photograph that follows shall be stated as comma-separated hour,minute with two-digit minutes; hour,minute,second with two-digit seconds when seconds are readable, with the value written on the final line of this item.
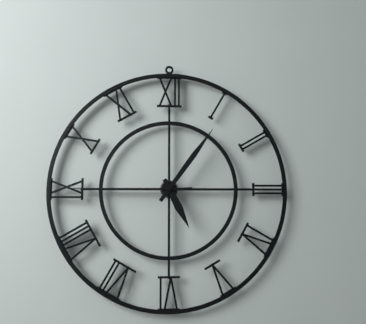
5,06,45
